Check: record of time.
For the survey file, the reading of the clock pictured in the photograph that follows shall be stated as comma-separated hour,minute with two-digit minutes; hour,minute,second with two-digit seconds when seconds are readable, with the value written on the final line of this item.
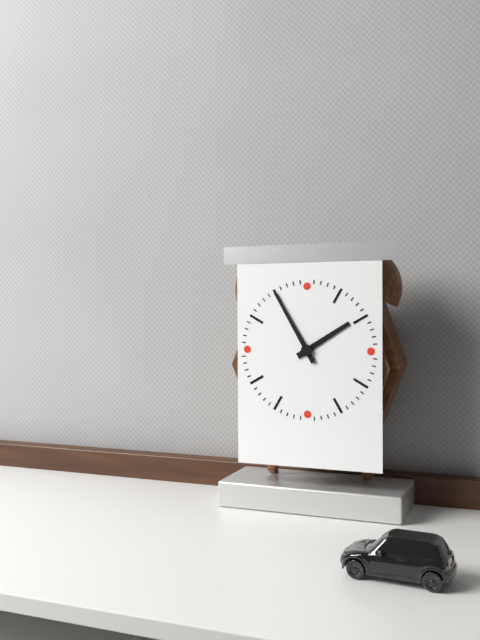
1,55
